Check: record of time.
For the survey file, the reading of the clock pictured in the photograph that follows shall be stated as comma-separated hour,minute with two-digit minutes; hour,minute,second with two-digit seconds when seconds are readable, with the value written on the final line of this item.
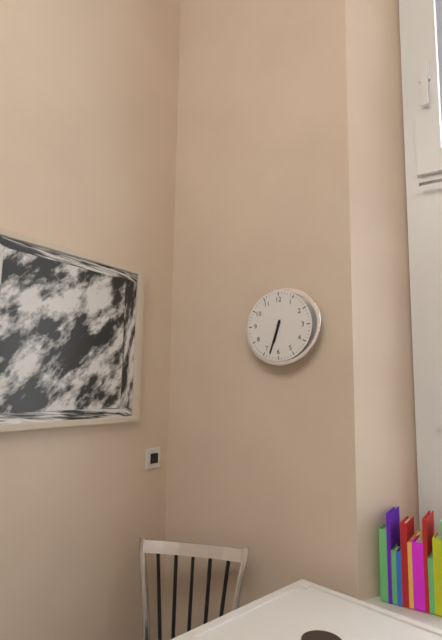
6,33
